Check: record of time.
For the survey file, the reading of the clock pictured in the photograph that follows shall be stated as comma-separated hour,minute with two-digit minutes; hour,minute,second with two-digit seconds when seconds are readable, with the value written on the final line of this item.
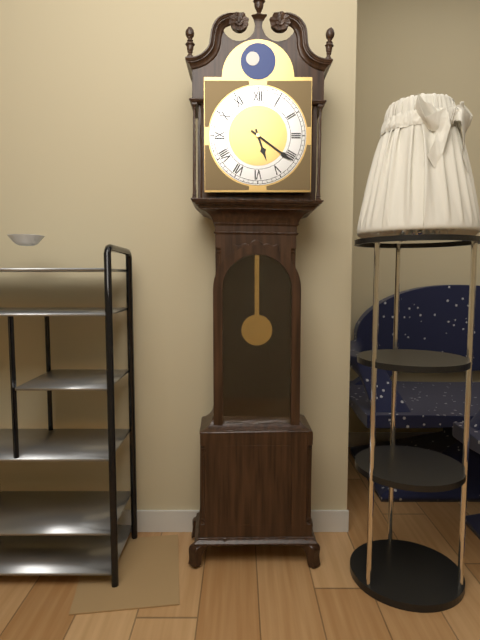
5,21
